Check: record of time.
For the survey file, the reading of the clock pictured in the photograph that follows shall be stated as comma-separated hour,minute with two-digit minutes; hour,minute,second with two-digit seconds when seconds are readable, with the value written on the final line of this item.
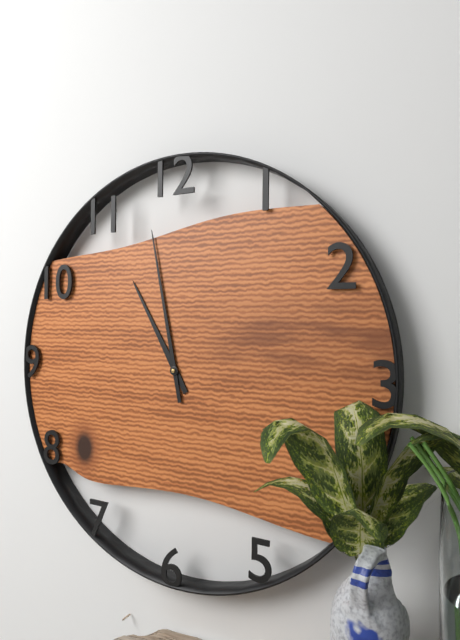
10,58
